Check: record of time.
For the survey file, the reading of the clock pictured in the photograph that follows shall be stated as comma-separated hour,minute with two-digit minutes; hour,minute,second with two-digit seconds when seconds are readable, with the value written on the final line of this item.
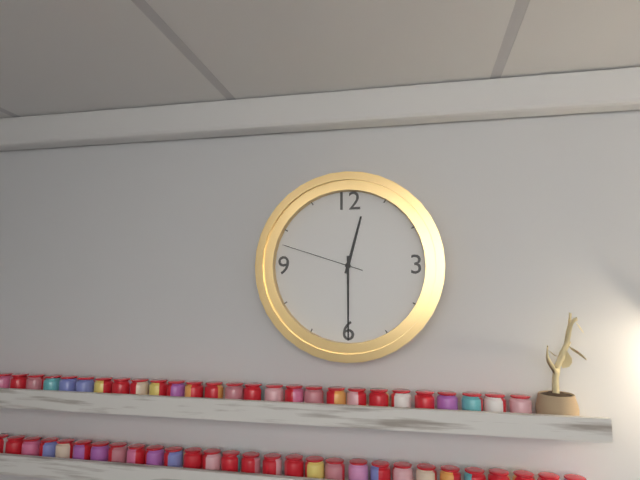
12,30,48
